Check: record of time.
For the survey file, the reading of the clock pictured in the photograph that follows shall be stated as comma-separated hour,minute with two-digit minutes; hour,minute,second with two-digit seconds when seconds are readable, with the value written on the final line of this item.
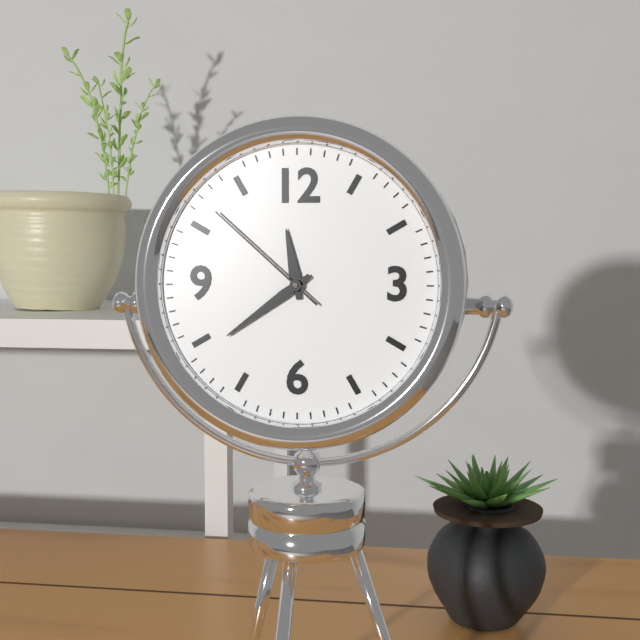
11,39,52
